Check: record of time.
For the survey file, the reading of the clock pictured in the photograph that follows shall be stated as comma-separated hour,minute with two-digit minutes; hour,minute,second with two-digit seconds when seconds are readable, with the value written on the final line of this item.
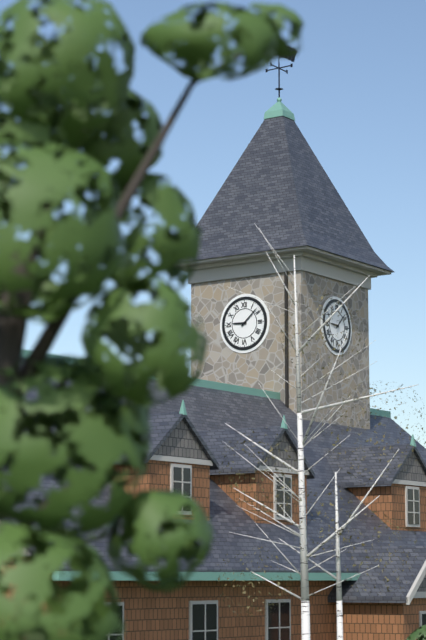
9,08
